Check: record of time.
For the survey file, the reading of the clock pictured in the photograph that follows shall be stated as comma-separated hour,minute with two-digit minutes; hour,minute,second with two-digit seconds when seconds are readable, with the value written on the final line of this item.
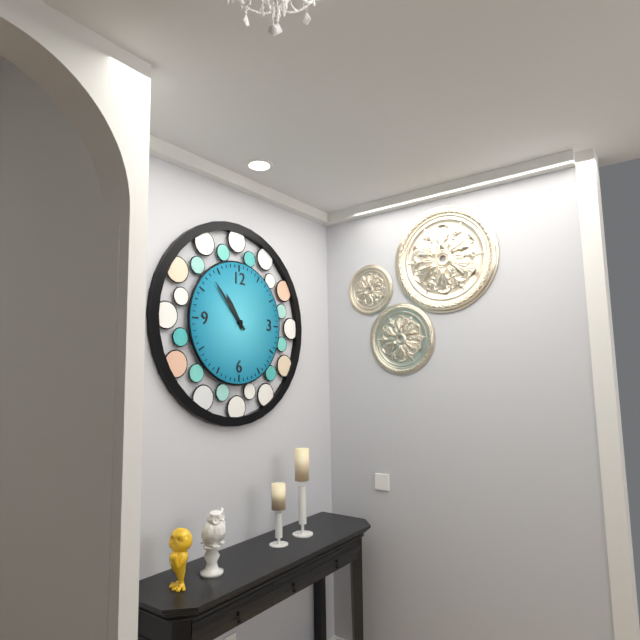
10,53
